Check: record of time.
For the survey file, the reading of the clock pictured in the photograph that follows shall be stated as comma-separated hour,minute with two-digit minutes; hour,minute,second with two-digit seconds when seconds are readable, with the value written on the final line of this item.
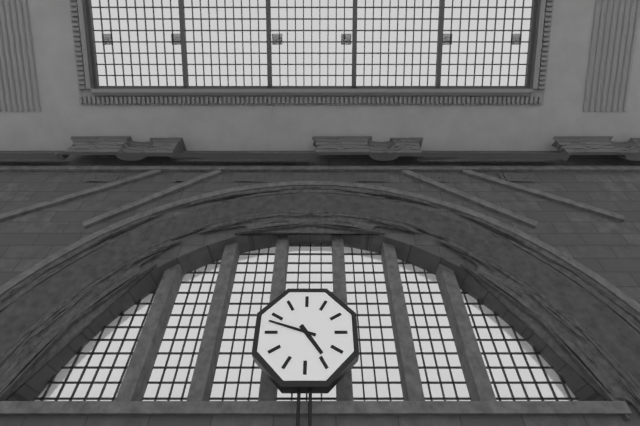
4,48
